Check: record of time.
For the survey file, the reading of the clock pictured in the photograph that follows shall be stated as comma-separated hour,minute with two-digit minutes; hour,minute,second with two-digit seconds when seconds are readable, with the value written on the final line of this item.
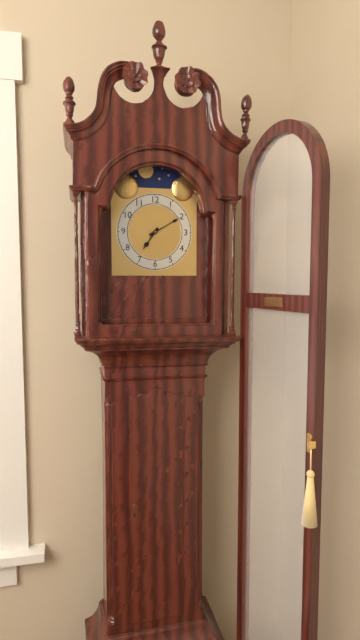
7,10
